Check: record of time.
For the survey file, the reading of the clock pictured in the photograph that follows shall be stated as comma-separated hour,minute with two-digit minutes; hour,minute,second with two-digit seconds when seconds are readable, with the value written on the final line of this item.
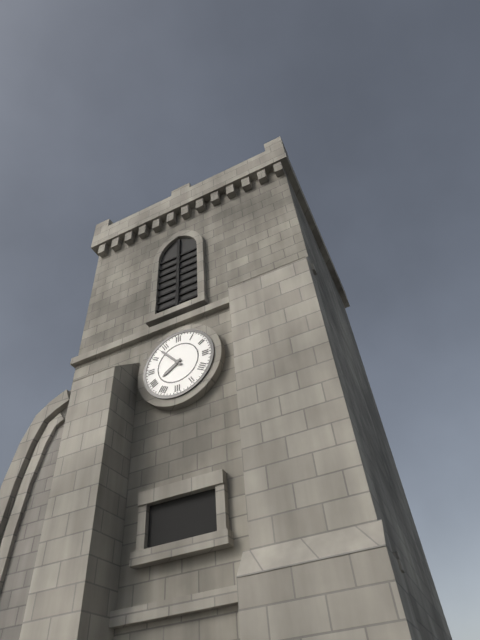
7,53
